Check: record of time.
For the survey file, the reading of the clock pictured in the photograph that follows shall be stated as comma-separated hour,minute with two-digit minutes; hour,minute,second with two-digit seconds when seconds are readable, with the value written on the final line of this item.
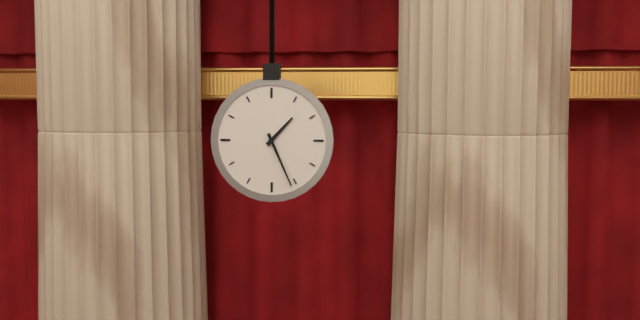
1,26
